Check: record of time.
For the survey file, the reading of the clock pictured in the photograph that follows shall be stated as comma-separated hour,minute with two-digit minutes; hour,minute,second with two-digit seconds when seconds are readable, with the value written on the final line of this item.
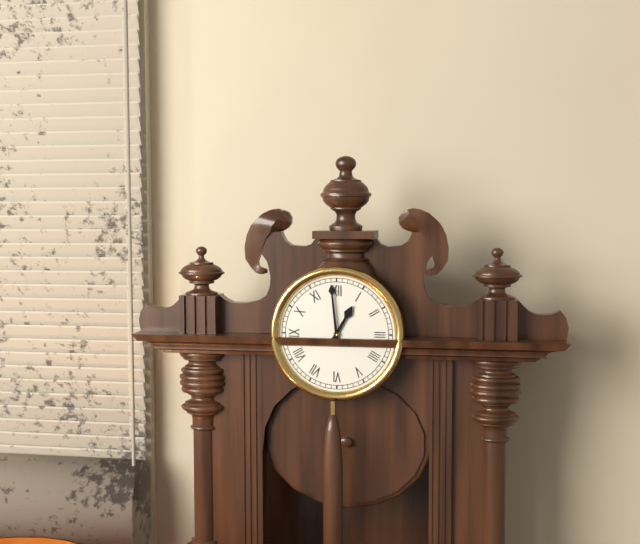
12,59
